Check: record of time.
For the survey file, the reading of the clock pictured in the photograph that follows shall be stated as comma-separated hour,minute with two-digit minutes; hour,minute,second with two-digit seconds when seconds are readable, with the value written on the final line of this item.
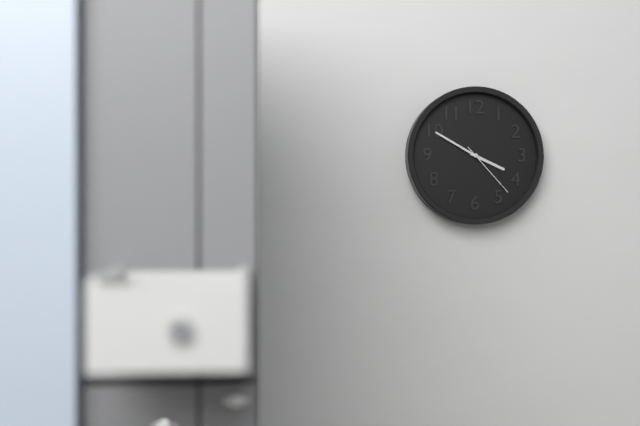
3,50,23
